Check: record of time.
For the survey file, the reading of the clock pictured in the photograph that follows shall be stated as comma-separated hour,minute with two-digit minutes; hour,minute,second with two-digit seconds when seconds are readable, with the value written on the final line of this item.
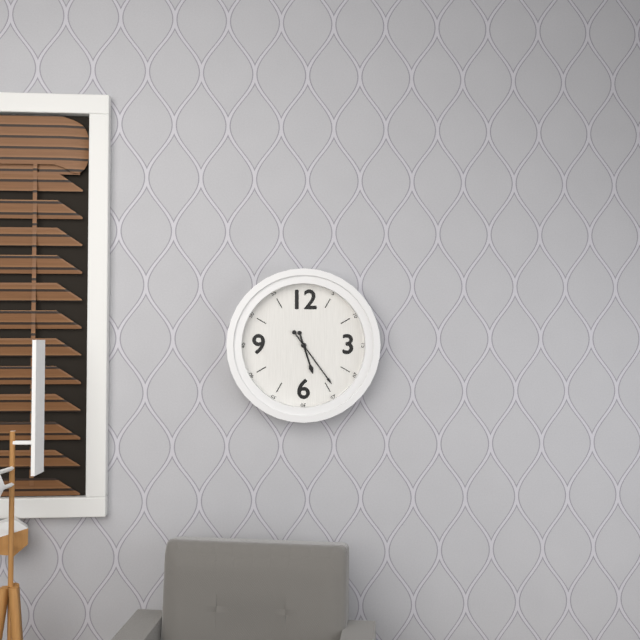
5,24
